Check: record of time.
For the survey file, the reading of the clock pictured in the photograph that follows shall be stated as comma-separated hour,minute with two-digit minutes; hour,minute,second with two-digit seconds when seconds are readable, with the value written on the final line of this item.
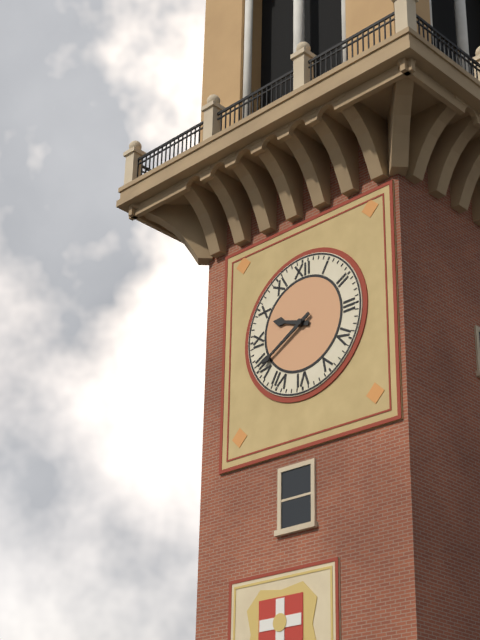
9,40
